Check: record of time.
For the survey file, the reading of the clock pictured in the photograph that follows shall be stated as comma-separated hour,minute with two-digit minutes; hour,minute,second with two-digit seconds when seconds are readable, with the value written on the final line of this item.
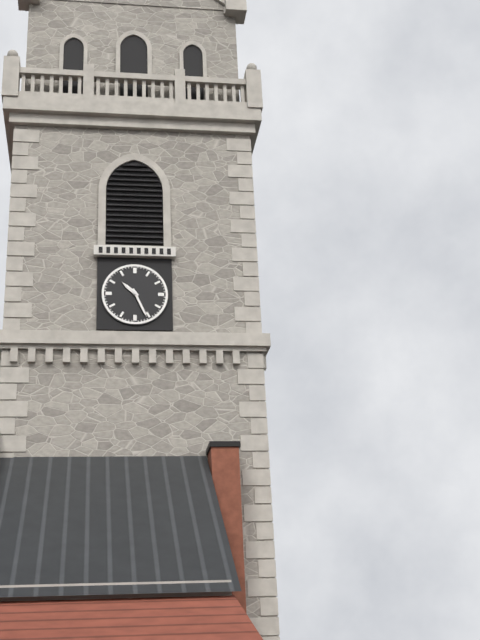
10,26
